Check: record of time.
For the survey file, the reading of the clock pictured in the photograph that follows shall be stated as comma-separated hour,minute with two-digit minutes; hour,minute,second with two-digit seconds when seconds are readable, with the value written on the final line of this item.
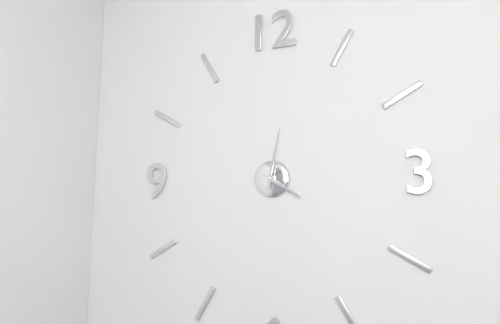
4,02
